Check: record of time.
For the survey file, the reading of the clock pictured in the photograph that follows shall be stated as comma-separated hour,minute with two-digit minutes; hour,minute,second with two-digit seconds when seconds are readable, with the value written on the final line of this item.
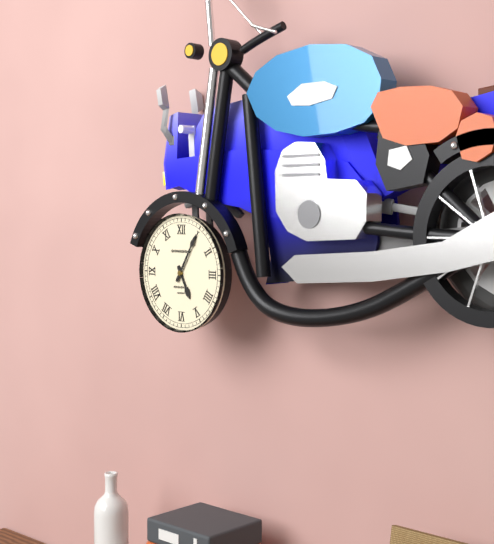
5,05
